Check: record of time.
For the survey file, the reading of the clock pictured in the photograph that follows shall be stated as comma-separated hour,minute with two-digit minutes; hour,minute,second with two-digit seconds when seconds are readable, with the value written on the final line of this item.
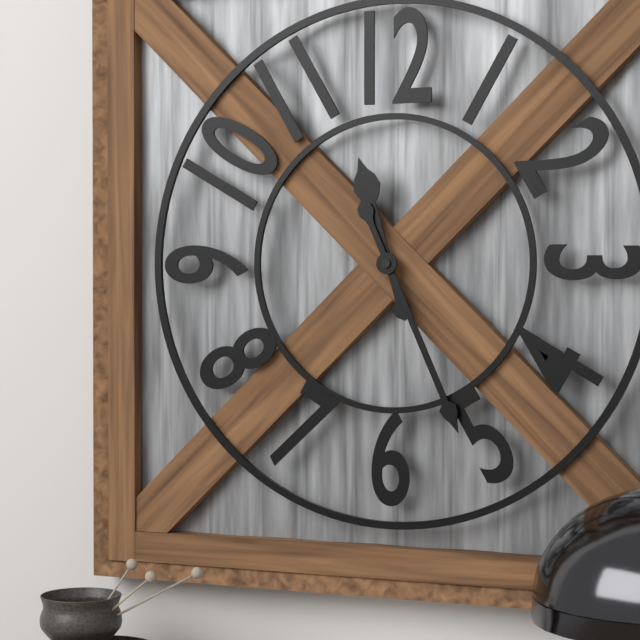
11,26
